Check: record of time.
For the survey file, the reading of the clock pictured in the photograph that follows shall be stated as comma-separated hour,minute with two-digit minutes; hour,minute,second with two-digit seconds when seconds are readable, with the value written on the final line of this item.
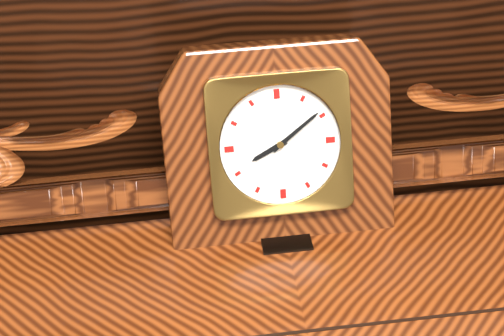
8,09
